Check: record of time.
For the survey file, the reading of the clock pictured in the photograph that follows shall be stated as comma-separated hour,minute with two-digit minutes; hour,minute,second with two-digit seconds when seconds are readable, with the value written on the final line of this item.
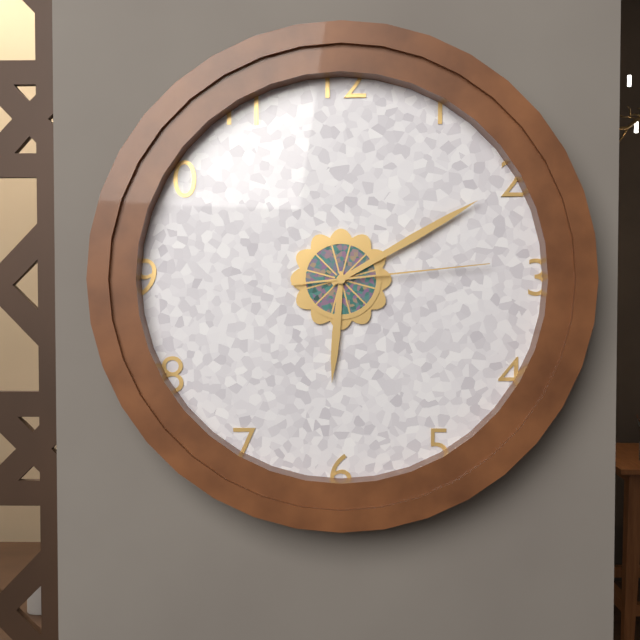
6,10,14
